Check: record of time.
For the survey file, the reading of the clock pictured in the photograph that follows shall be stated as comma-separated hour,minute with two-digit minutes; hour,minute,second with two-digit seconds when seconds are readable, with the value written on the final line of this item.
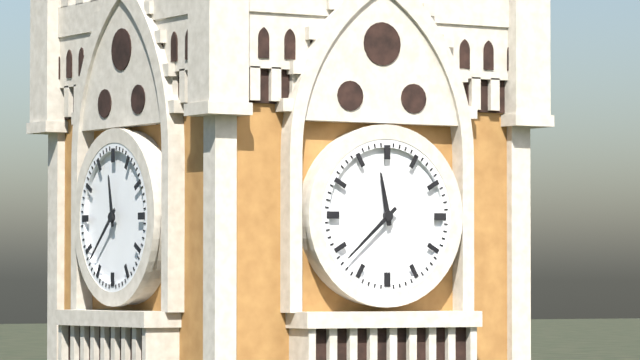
11,38
